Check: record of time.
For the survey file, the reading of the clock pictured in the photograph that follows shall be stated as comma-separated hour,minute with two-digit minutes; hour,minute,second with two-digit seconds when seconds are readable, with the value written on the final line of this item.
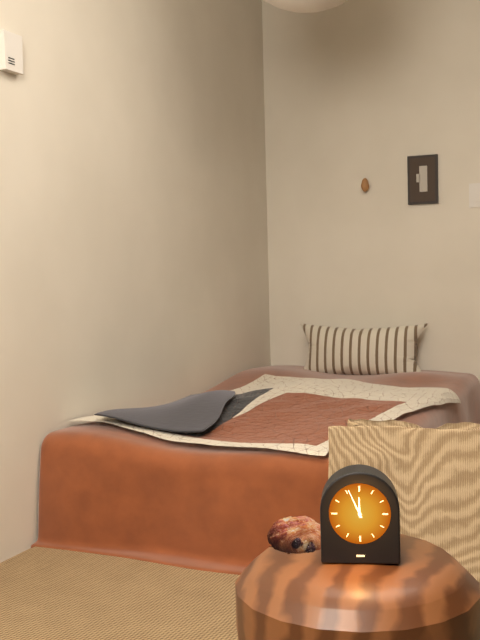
11,56
